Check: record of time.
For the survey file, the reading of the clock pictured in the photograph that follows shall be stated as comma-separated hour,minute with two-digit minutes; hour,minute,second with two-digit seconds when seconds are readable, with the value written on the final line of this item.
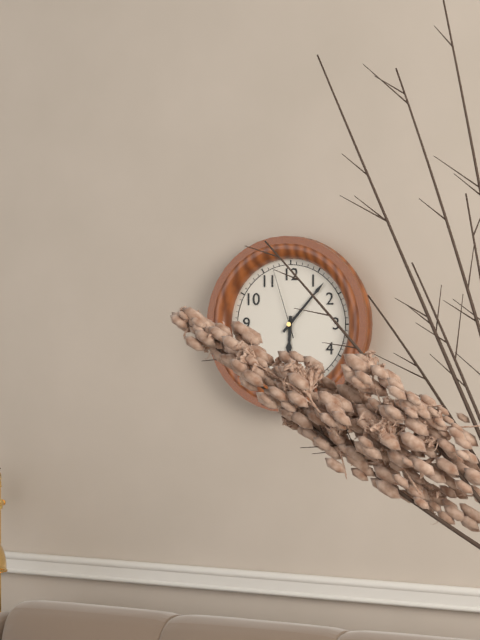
6,07,57
